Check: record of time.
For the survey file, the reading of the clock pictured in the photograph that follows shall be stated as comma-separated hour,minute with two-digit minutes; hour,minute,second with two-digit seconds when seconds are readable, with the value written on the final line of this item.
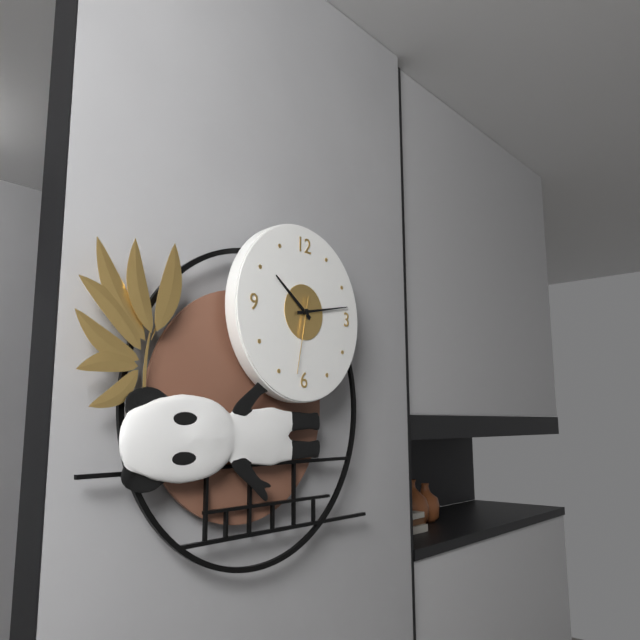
10,13,32
